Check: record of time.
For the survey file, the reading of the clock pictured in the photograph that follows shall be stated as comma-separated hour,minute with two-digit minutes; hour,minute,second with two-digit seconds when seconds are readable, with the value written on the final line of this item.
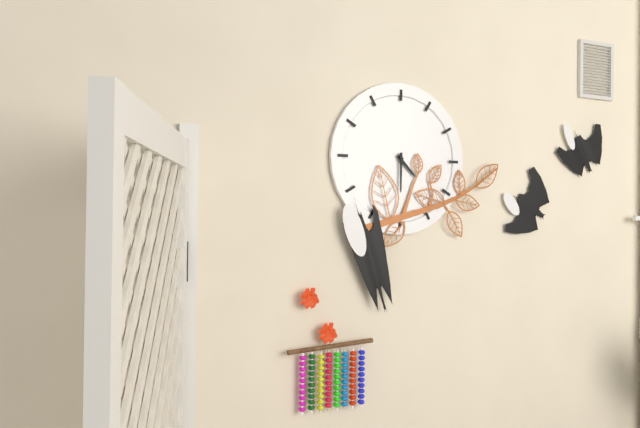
4,30
